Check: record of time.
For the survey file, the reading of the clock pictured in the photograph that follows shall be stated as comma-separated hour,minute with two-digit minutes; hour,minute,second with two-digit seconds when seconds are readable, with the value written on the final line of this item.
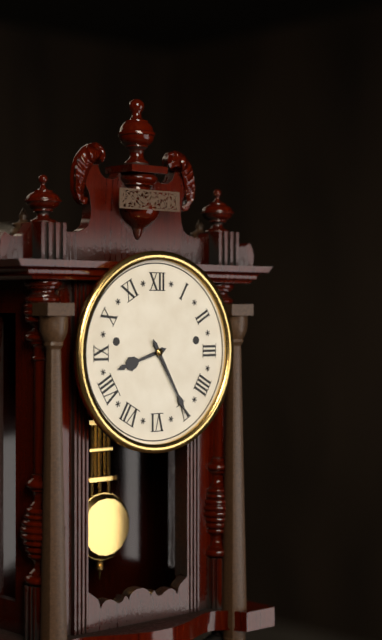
8,25
